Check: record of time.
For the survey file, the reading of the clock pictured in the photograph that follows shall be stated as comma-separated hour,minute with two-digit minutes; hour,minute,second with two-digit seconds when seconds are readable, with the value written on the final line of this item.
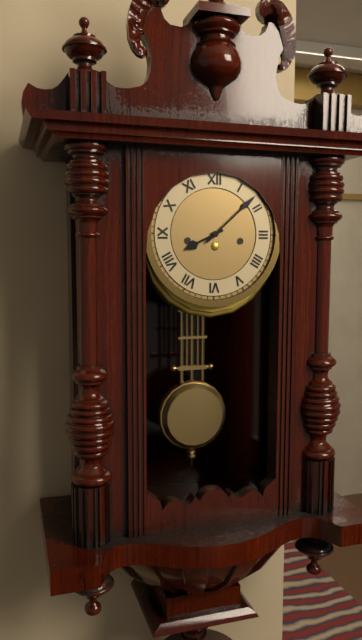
8,08
